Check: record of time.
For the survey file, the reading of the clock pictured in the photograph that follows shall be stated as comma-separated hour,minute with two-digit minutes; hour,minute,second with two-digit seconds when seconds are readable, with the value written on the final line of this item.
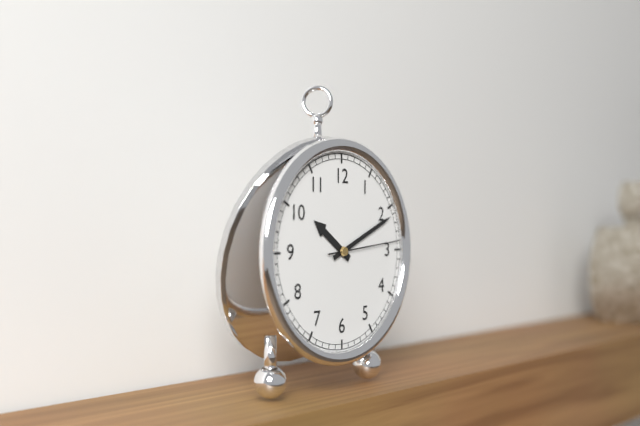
10,11,14
